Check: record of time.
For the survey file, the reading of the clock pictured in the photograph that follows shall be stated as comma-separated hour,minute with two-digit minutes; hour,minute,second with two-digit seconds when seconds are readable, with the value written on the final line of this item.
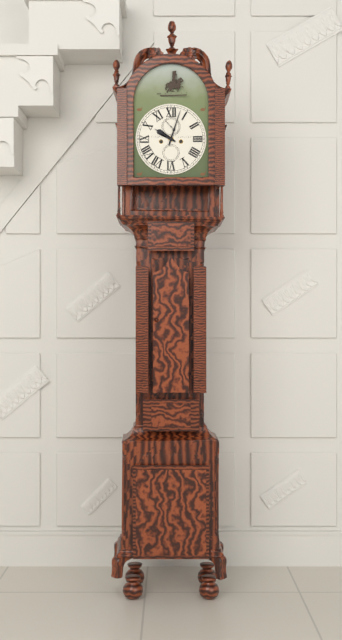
10,03
